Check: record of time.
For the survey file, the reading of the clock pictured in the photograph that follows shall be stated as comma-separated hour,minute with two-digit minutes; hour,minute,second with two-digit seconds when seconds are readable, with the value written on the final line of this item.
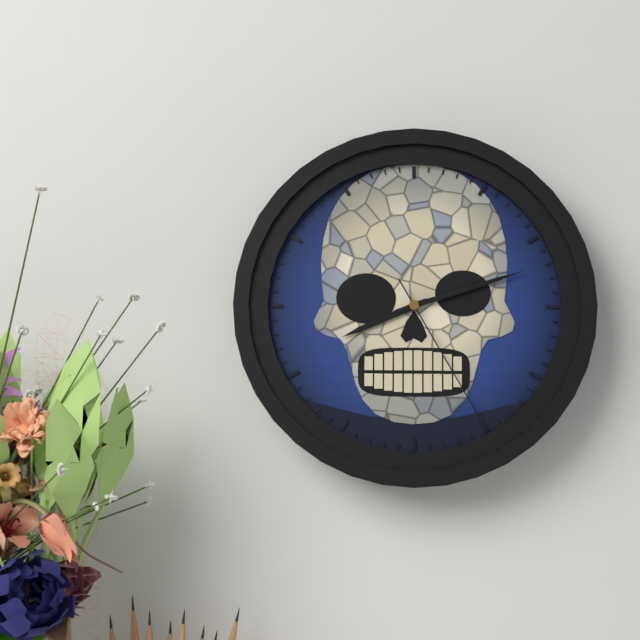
8,12,25
